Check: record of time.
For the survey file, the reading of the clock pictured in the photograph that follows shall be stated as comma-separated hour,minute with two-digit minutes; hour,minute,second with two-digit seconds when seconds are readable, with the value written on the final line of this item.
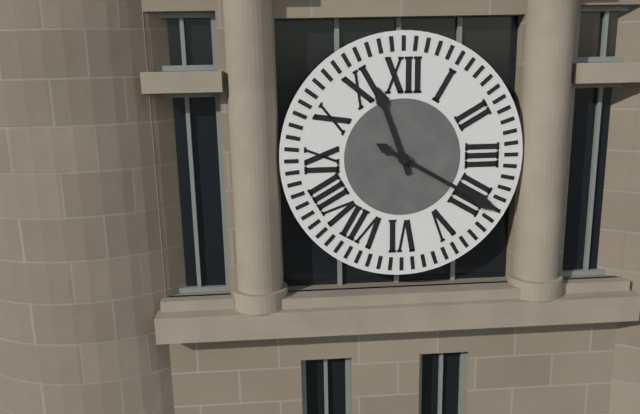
11,20
